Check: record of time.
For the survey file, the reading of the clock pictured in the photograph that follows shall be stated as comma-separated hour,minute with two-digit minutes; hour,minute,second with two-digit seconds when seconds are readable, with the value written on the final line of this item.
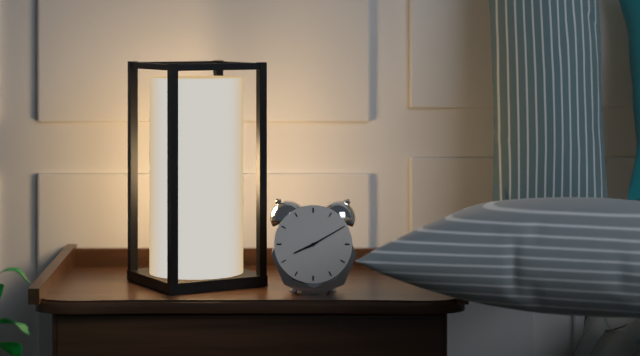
8,10
